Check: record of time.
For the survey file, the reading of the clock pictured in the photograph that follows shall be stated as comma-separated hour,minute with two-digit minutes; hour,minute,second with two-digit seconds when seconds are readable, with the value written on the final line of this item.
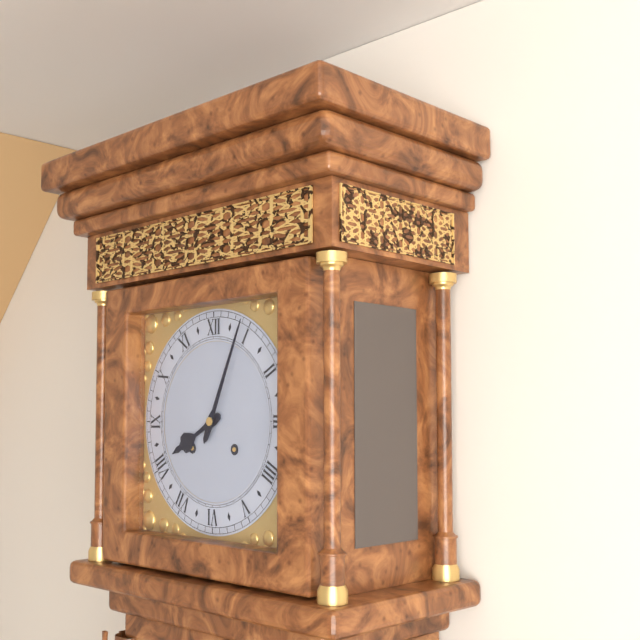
8,04
